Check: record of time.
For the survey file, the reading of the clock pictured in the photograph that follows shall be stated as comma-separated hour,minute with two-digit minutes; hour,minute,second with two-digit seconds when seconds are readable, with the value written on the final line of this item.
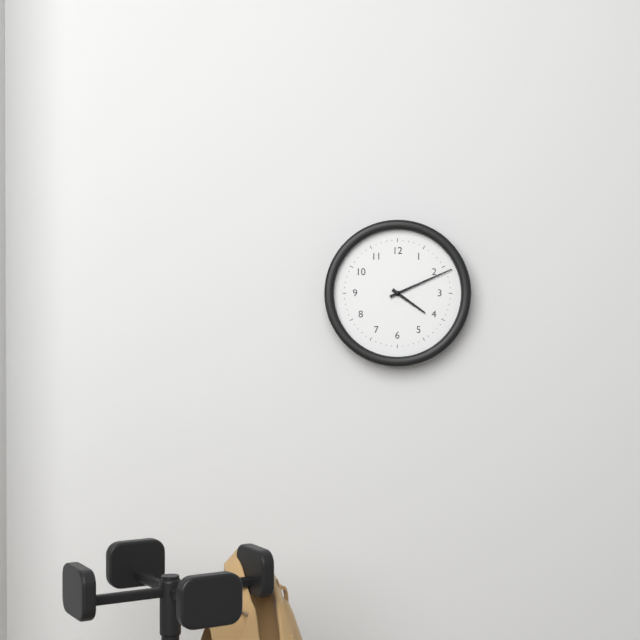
4,11
